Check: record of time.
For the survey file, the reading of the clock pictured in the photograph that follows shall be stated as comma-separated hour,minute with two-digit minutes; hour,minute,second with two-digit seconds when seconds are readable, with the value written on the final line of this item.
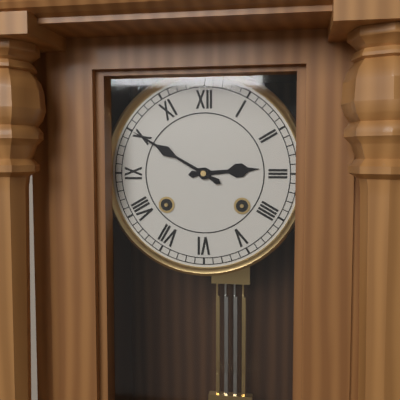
2,50
